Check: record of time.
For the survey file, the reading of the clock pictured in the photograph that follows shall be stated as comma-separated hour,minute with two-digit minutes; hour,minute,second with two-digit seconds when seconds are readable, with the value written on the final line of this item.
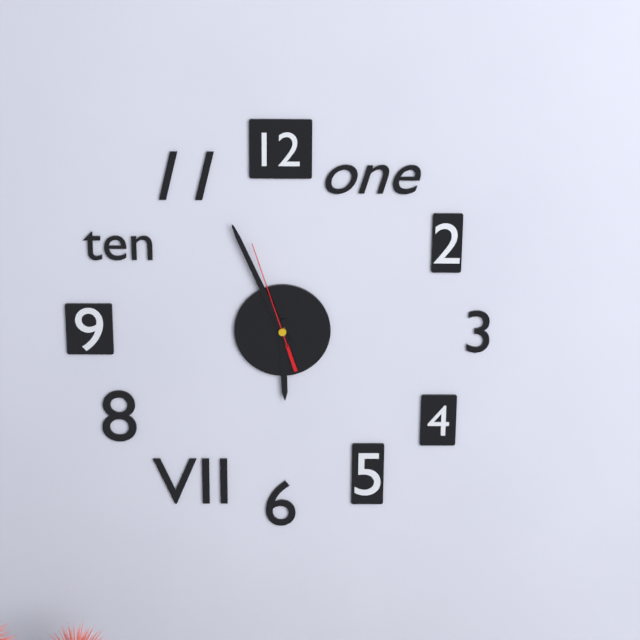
5,56,57
